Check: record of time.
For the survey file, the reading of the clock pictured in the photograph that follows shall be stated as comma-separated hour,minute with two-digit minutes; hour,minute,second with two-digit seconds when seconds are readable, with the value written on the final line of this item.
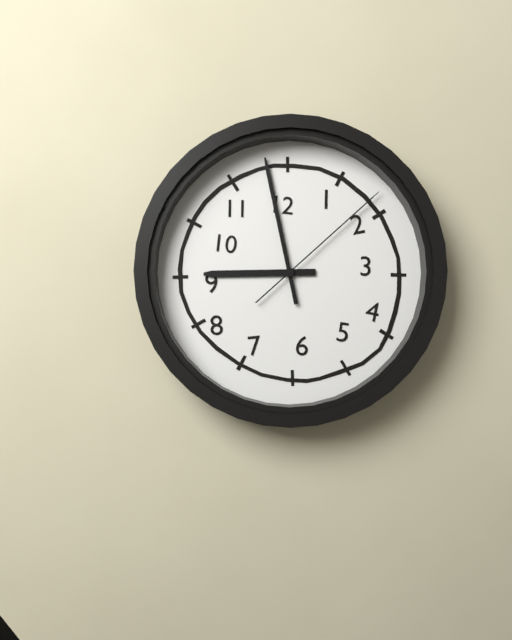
8,58,08
